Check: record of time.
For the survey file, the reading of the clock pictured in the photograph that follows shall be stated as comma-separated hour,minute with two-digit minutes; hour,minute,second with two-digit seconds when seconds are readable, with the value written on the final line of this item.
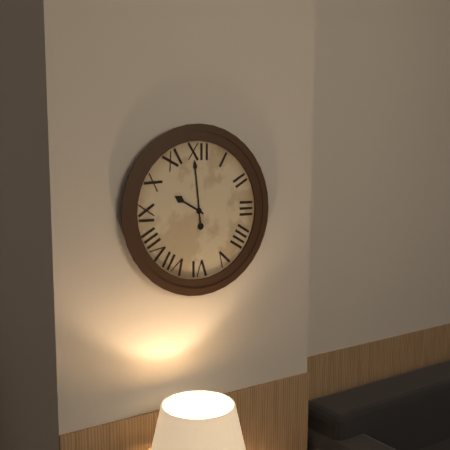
9,59
